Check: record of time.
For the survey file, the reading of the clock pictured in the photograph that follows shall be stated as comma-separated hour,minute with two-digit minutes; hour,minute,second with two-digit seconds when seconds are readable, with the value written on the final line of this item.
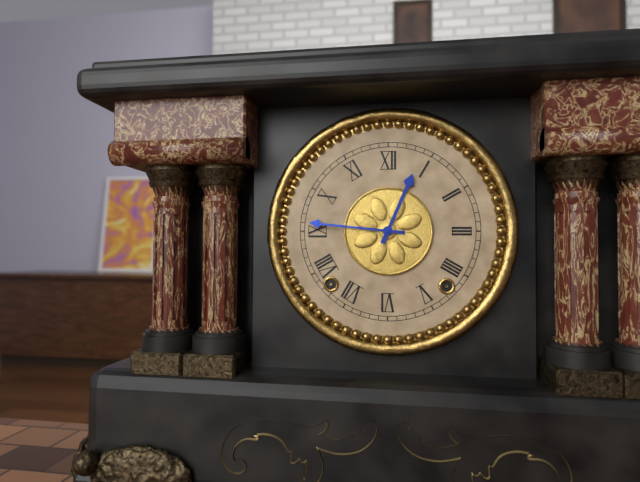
12,46
